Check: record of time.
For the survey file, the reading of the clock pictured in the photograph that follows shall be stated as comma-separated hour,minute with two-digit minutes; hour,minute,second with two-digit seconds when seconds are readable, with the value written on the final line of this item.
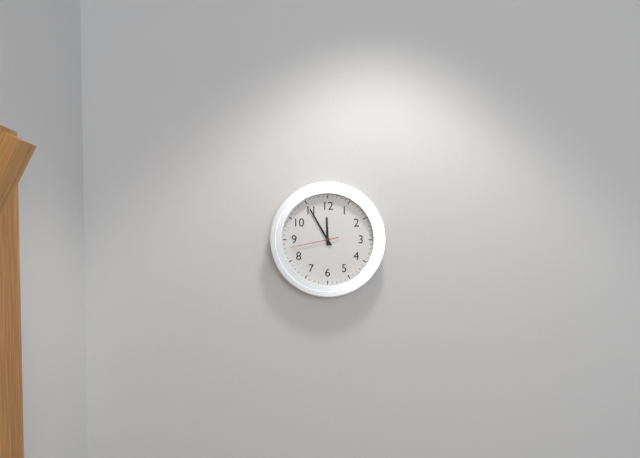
11,55
